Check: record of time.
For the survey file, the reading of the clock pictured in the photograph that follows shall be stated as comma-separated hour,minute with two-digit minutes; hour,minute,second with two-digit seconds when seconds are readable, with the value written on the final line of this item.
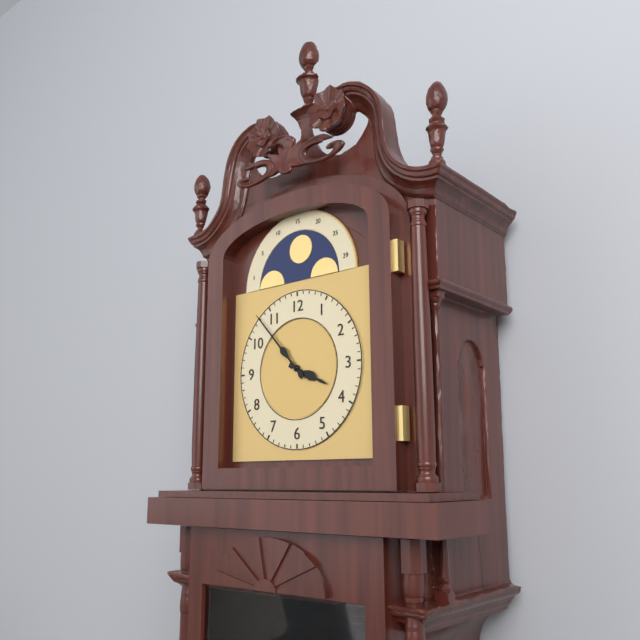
3,53
